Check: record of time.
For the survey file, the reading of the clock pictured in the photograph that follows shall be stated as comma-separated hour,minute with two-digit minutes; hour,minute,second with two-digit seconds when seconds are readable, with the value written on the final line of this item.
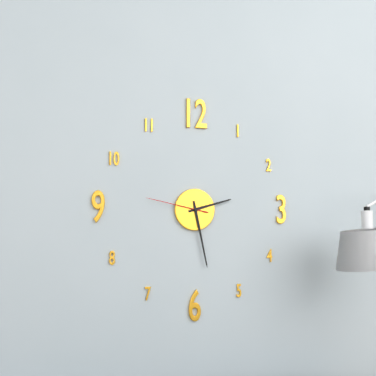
2,28,47
